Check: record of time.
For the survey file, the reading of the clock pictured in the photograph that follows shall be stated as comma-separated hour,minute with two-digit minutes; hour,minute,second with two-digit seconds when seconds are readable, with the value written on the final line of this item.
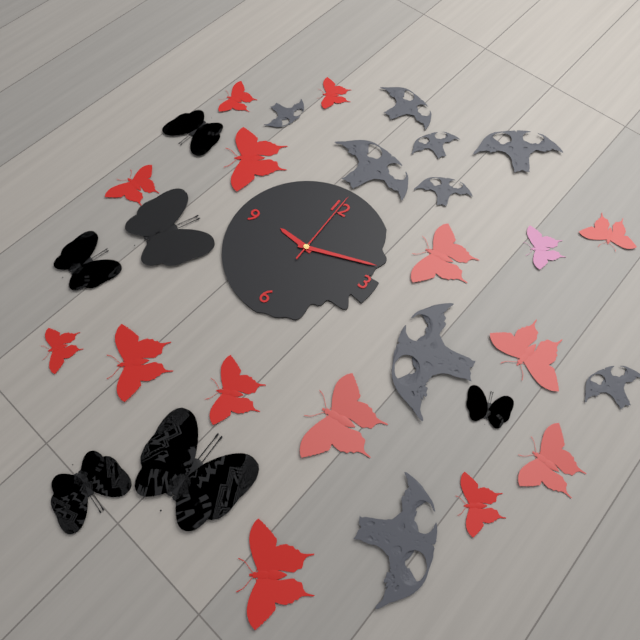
9,12,00
